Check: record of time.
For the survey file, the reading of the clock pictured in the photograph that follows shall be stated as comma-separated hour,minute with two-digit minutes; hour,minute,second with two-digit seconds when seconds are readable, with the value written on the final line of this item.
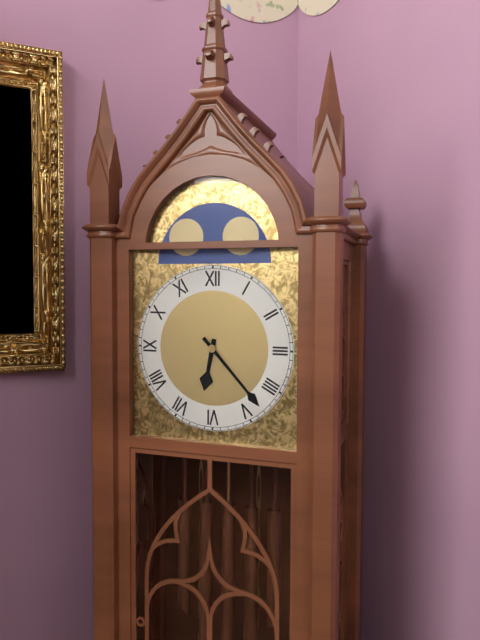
6,23
